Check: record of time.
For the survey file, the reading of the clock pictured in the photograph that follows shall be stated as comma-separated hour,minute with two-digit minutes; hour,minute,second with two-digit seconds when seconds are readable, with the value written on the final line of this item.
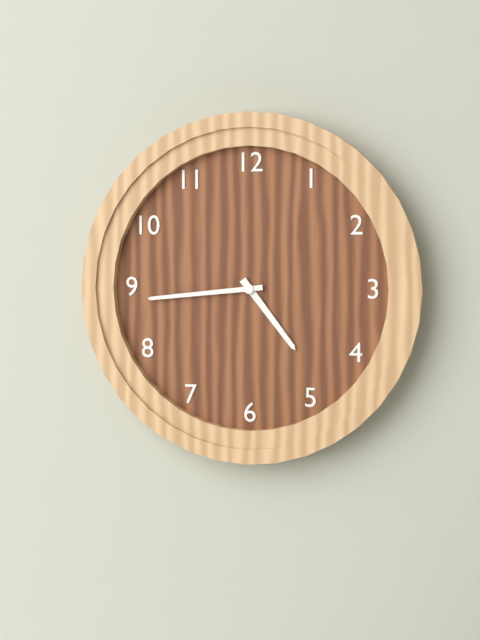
4,44
